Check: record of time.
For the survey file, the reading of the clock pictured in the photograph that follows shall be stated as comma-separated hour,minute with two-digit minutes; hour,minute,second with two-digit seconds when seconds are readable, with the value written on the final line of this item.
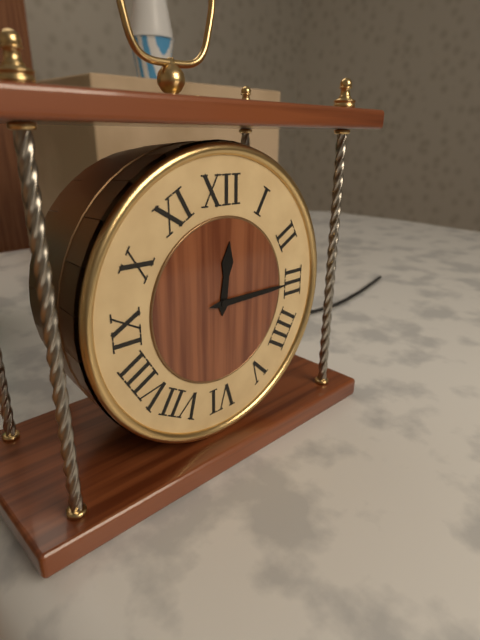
12,15
